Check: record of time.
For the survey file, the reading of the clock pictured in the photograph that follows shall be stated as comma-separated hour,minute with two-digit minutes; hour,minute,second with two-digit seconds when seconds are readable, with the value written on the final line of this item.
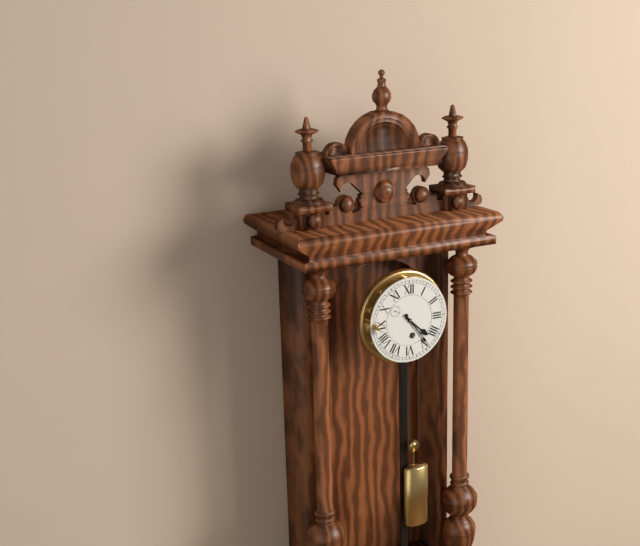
4,24
